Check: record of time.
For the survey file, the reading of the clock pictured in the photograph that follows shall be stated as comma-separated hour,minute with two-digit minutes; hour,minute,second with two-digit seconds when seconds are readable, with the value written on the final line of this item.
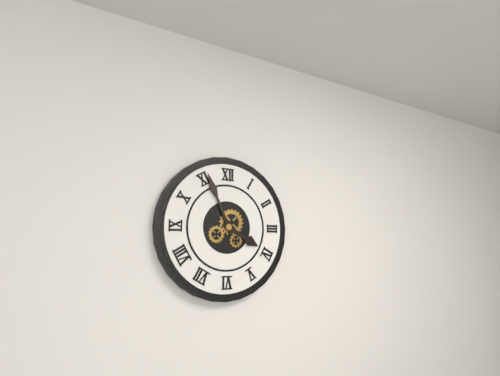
3,56
